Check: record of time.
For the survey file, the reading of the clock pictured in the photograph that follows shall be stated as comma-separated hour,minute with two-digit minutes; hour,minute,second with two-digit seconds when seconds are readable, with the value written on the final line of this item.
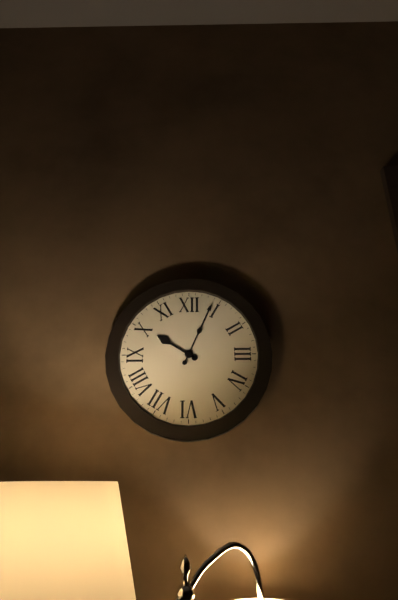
10,04
